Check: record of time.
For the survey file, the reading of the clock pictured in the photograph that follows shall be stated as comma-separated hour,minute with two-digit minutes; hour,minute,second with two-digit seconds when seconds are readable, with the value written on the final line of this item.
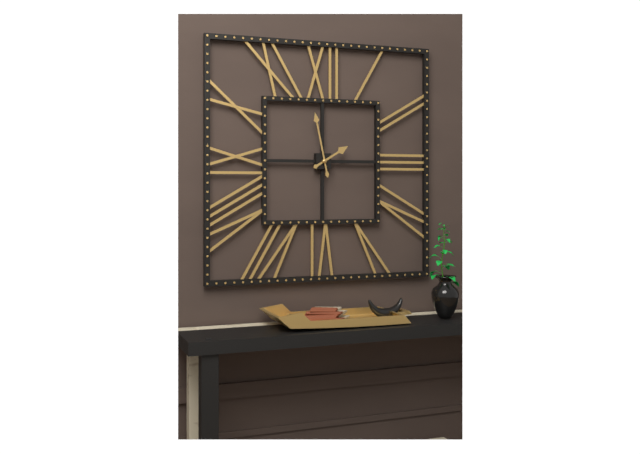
1,58
